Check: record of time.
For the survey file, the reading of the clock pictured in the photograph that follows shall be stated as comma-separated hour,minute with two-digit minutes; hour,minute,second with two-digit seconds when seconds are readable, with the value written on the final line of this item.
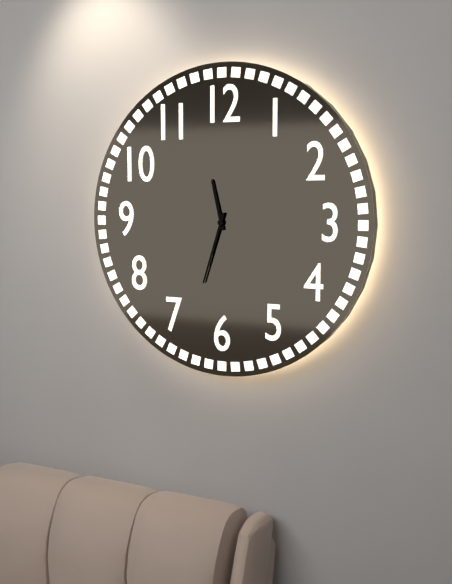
11,33
